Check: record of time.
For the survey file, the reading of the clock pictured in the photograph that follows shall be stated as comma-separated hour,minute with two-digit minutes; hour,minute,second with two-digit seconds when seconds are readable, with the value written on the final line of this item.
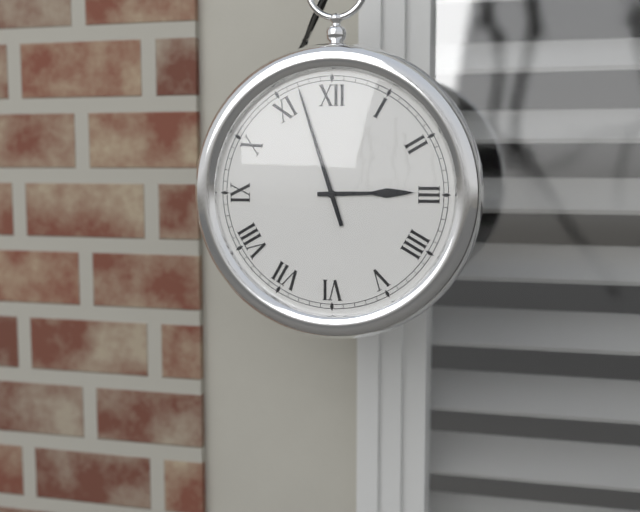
2,57
